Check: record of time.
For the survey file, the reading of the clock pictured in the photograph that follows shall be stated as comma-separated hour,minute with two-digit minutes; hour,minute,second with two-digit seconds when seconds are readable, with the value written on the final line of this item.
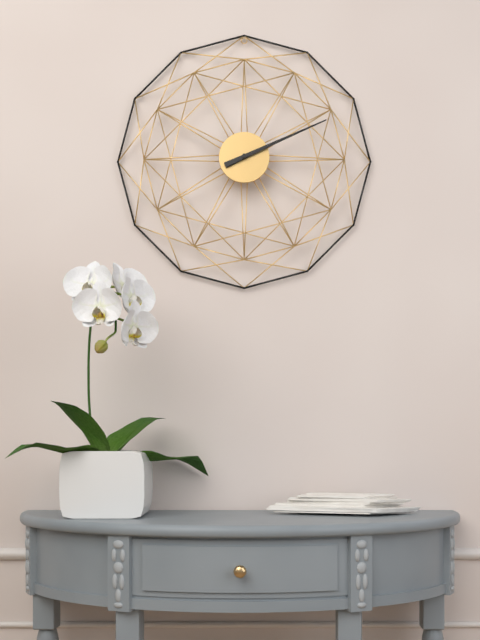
2,11
